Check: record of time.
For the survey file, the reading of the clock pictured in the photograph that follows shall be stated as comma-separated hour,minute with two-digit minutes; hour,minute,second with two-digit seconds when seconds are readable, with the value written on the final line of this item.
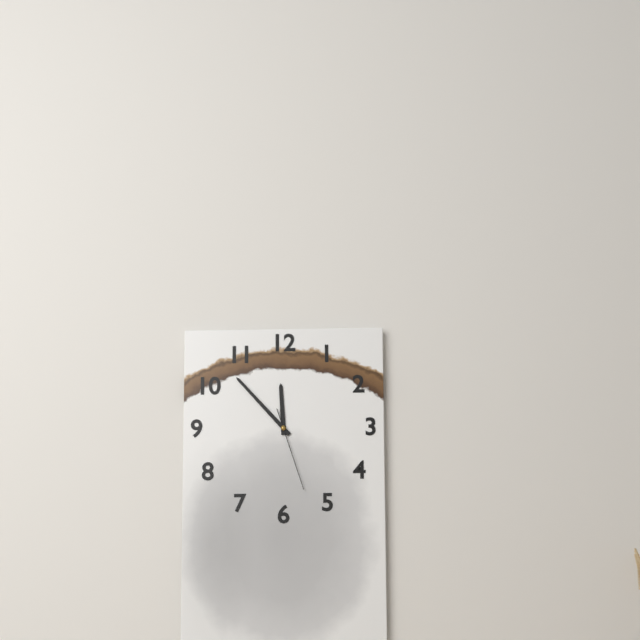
11,53,27
